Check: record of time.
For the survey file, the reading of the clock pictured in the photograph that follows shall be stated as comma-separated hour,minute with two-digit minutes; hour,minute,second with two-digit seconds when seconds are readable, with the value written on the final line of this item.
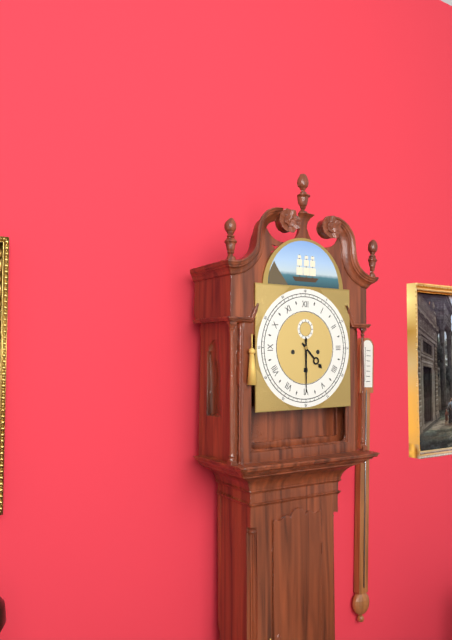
4,30
